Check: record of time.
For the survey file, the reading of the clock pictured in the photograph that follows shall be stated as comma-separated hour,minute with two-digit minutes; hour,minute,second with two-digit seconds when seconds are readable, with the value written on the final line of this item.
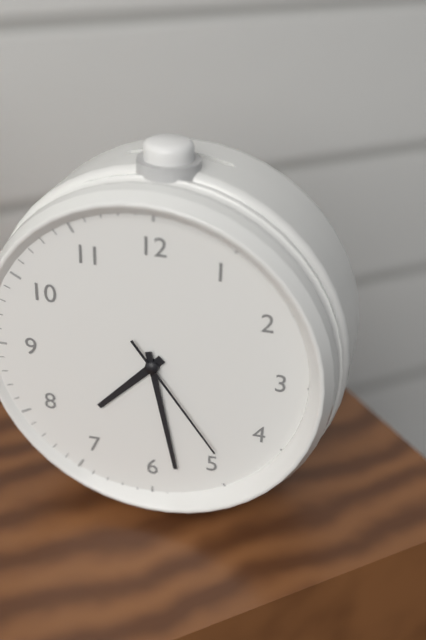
7,28,24
